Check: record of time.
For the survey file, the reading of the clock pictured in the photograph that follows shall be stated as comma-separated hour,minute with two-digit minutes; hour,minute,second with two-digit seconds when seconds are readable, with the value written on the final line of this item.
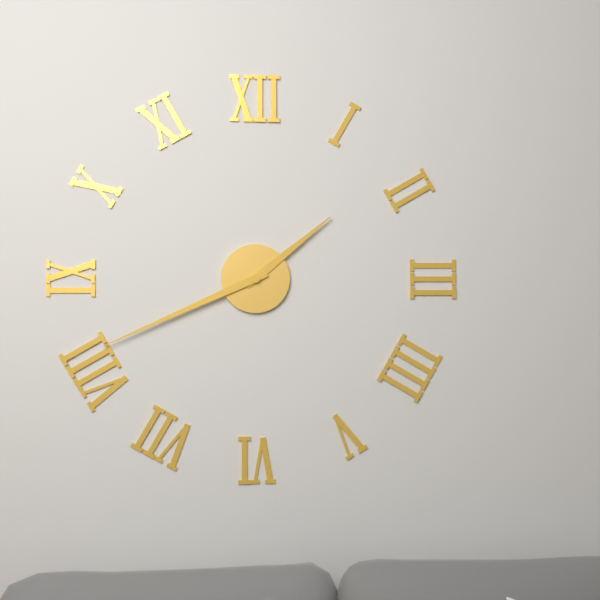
1,41
